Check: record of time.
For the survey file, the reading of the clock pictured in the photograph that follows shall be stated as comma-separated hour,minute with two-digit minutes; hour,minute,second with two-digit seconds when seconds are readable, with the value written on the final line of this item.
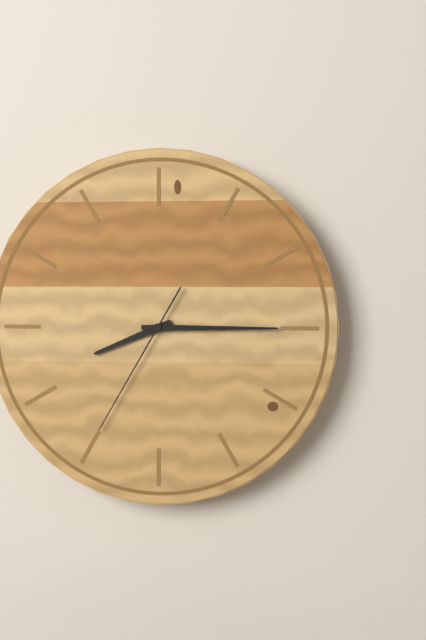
8,15,35
